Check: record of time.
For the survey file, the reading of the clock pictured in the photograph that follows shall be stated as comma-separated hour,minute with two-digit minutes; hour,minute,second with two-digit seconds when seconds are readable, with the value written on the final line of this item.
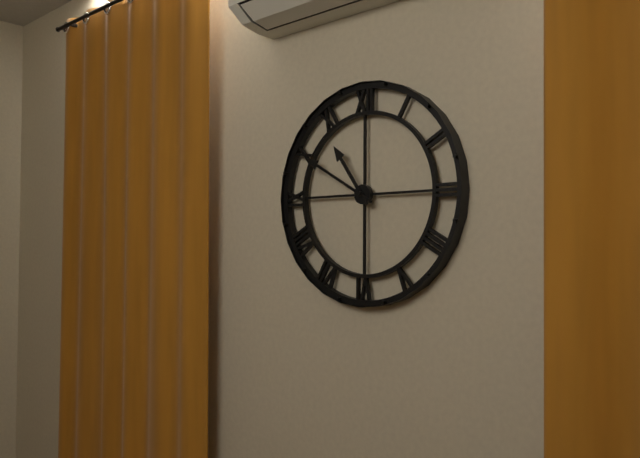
10,50
